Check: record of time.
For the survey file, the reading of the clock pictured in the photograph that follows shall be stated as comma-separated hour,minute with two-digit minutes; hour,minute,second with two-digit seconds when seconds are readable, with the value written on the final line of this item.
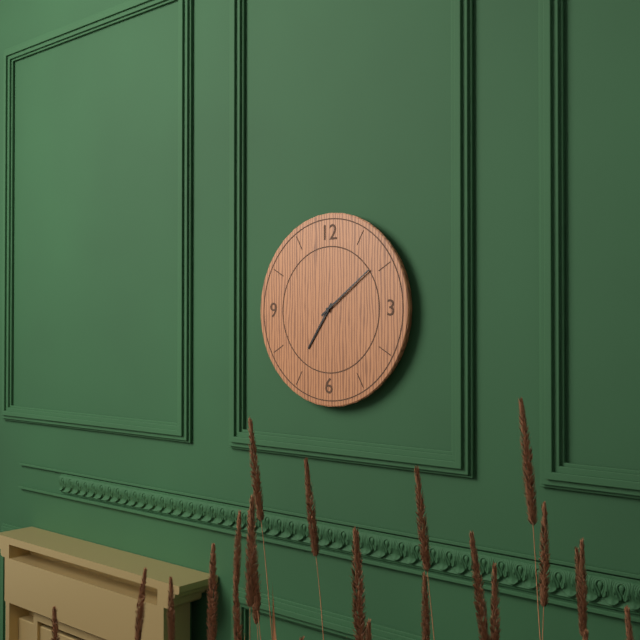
7,09
